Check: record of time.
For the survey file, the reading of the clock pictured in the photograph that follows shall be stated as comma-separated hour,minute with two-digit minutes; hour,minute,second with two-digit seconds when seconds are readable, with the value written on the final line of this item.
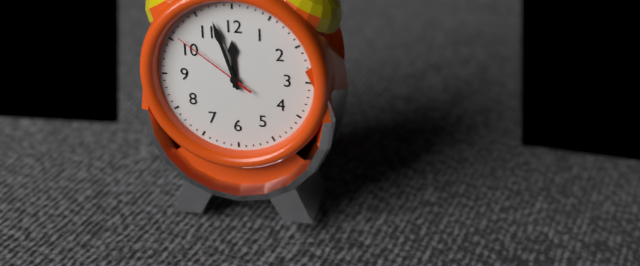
11,57,51
